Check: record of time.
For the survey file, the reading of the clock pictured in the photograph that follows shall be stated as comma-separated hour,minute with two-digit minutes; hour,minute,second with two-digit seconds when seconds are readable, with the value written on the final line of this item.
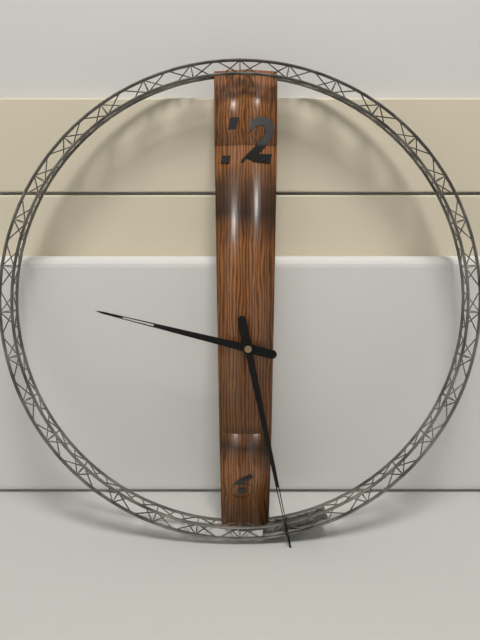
9,28
